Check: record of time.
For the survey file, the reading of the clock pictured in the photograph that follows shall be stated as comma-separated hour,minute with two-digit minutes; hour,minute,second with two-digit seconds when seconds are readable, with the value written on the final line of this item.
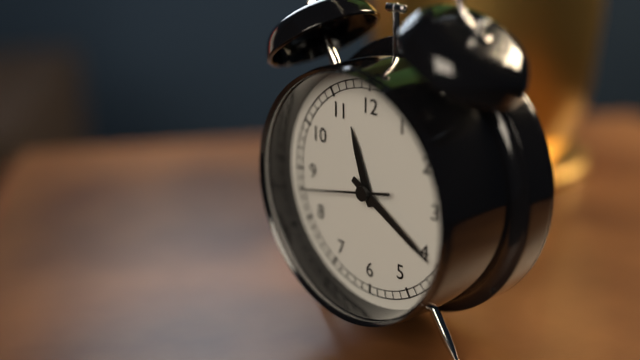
11,20,43
